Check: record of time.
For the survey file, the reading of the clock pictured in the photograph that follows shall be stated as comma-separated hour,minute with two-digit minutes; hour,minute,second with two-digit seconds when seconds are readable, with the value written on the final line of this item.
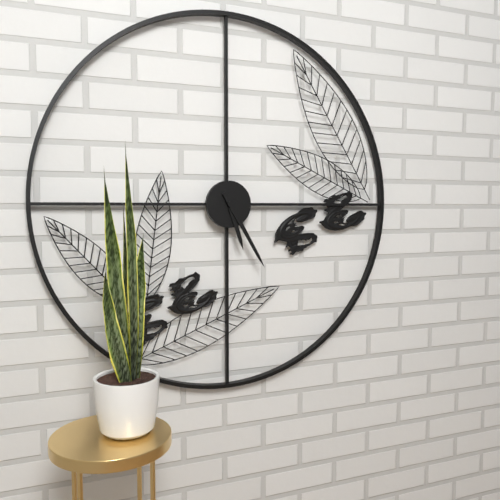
5,25
